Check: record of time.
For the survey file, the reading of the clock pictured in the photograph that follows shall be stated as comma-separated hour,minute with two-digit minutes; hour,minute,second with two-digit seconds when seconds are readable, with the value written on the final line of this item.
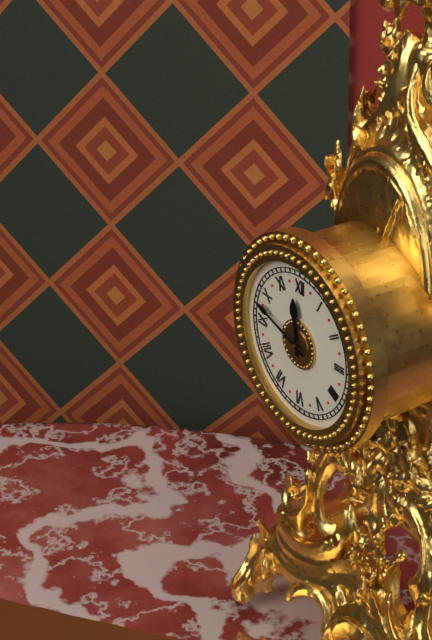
11,48
